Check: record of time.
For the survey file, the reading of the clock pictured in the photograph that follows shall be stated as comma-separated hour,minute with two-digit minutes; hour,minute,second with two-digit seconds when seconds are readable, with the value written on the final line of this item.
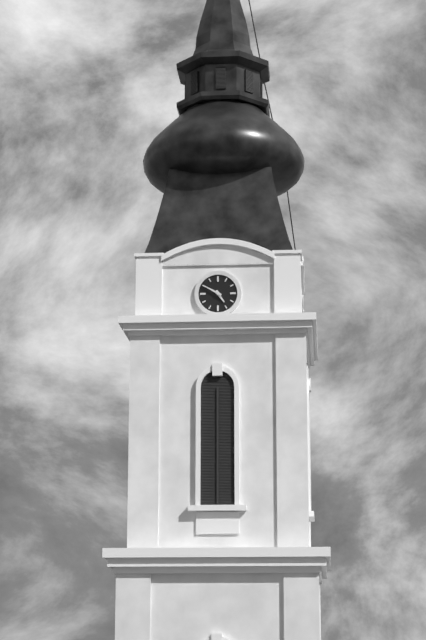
4,50
